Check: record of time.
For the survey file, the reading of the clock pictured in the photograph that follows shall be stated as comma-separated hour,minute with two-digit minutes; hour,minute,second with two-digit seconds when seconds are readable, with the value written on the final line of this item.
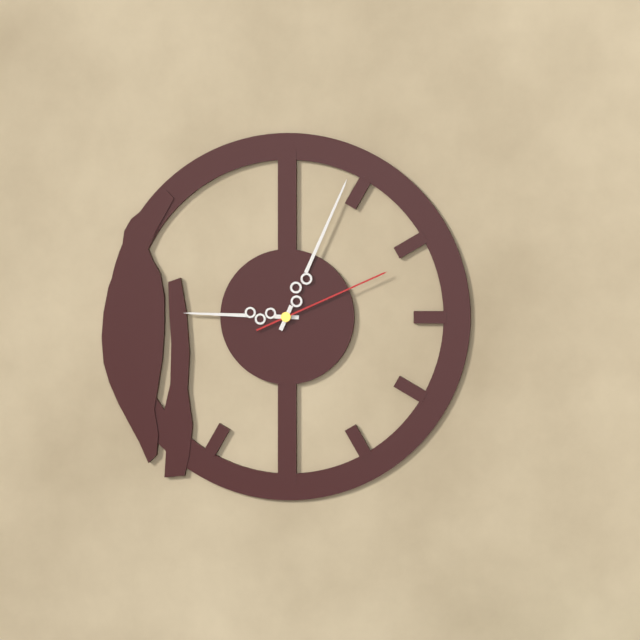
9,04,11
